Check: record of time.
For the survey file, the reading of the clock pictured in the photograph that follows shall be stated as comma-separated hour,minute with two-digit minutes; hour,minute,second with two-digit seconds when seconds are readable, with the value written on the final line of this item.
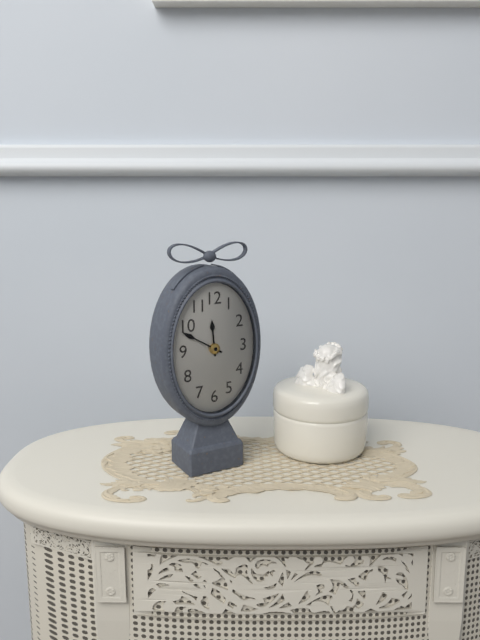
11,50
